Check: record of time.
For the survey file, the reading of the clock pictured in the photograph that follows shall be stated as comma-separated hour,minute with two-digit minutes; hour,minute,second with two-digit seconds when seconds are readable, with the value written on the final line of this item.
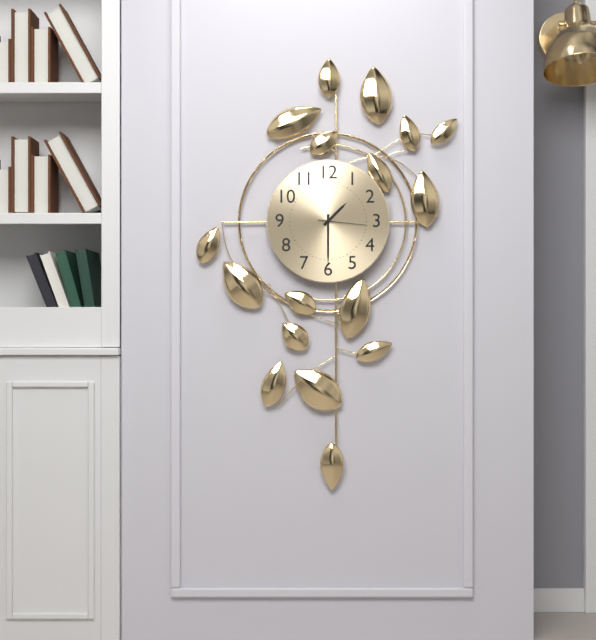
1,30
